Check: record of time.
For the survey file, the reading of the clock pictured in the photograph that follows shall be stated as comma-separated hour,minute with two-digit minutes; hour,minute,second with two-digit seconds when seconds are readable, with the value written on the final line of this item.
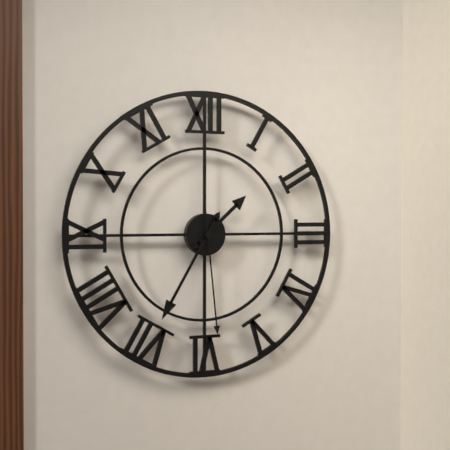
1,35,29
